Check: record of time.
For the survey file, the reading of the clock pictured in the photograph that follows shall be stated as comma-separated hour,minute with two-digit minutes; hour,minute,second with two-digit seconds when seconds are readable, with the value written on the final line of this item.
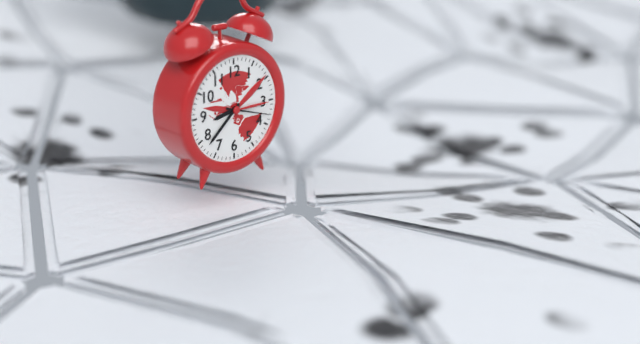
8,38
